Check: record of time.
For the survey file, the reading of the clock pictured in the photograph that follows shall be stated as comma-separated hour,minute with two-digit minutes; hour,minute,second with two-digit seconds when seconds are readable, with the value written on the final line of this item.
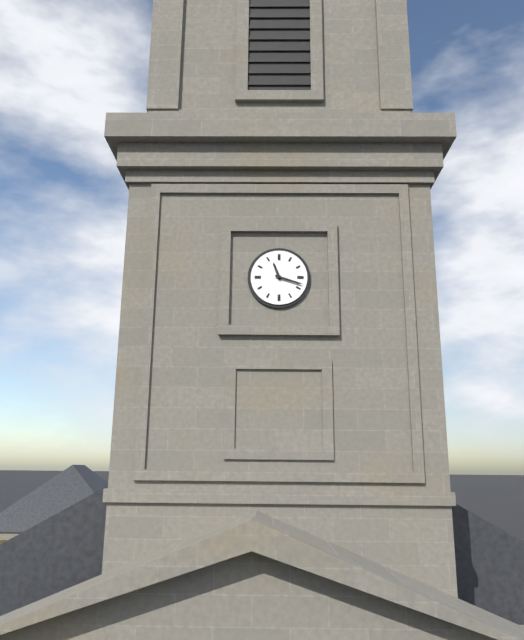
11,18
